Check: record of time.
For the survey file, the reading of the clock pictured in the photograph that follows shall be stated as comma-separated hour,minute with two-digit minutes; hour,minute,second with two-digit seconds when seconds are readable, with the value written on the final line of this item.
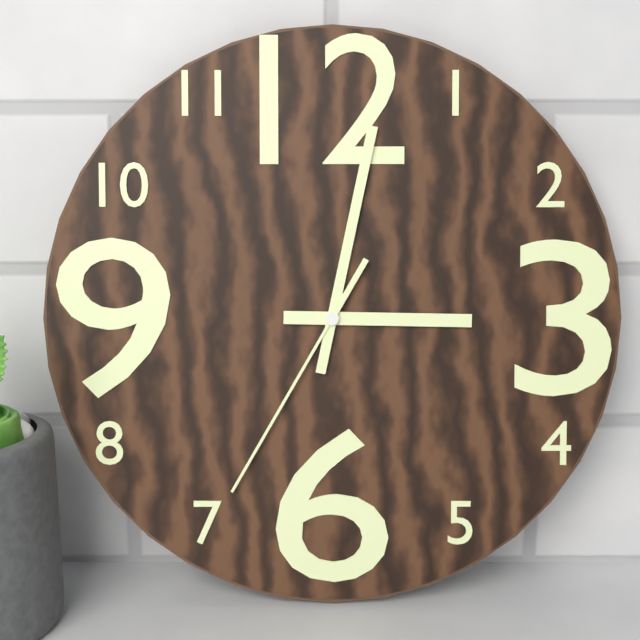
3,02,35
